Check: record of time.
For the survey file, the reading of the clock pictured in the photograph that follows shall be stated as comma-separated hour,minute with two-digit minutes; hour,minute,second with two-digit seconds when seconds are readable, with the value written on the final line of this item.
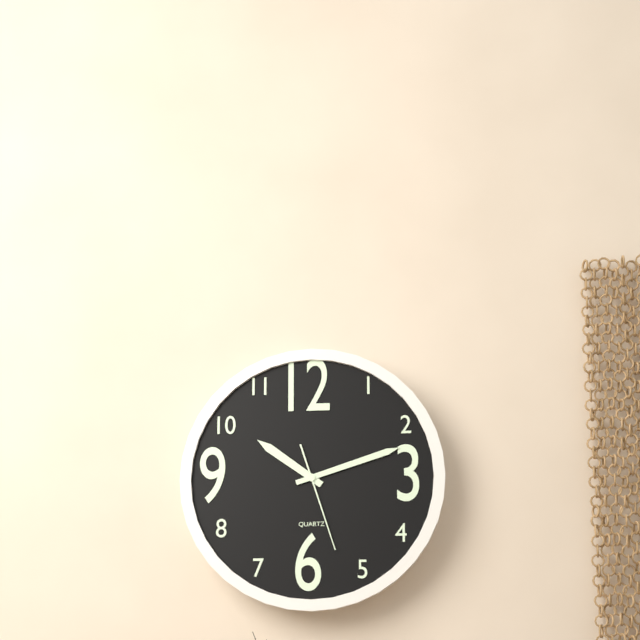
10,12,27
